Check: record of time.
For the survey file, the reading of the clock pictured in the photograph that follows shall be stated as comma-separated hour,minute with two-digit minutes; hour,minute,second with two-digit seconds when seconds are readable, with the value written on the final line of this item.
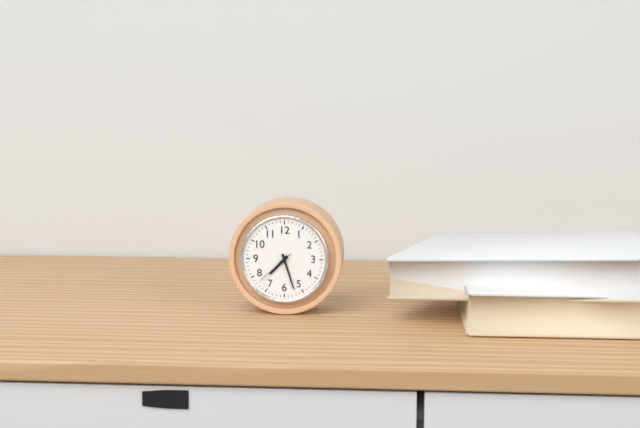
7,27
